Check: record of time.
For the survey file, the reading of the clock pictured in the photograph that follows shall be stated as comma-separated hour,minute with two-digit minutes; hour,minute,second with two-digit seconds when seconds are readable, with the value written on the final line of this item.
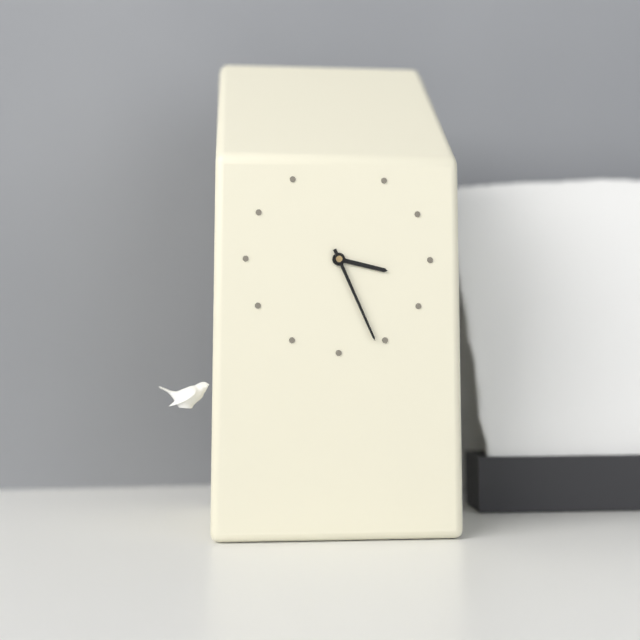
3,26
